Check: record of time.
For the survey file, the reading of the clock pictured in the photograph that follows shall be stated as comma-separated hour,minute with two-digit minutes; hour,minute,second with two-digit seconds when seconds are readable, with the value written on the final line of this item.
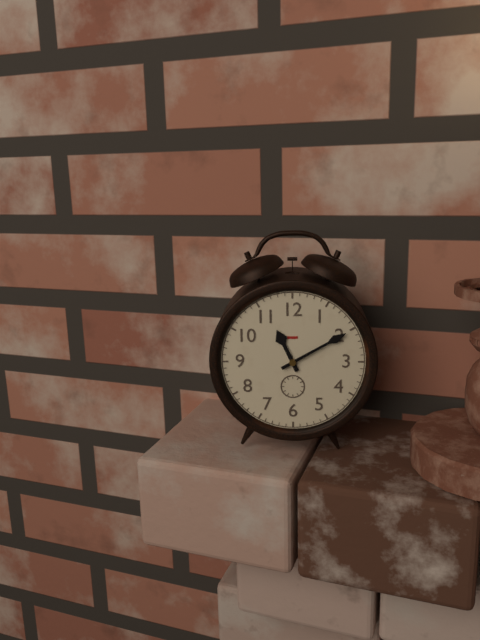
11,10
